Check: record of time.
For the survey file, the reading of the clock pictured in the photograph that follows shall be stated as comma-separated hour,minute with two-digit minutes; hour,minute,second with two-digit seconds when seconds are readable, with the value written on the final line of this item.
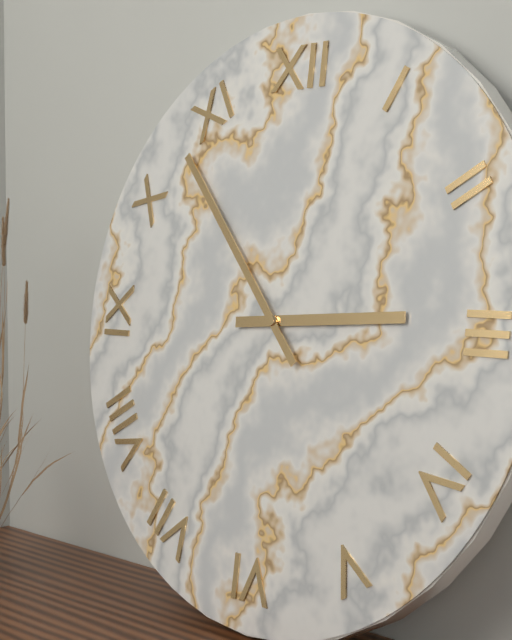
2,53
